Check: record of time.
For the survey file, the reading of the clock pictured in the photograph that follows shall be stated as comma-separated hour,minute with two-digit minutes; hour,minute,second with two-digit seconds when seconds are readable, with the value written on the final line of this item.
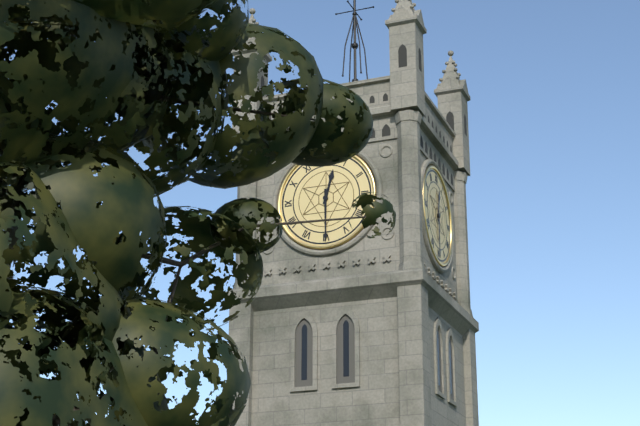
12,30
